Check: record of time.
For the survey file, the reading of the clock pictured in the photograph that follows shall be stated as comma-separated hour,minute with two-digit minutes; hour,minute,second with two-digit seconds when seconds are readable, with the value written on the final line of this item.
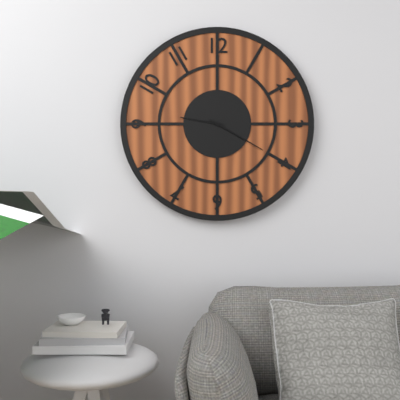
9,20
